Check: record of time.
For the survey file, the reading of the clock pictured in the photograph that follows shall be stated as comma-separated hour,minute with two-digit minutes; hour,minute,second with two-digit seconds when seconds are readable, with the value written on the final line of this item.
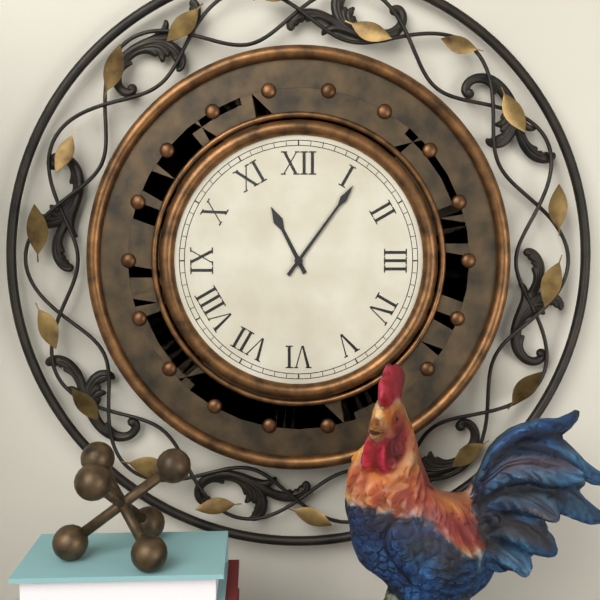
11,06
